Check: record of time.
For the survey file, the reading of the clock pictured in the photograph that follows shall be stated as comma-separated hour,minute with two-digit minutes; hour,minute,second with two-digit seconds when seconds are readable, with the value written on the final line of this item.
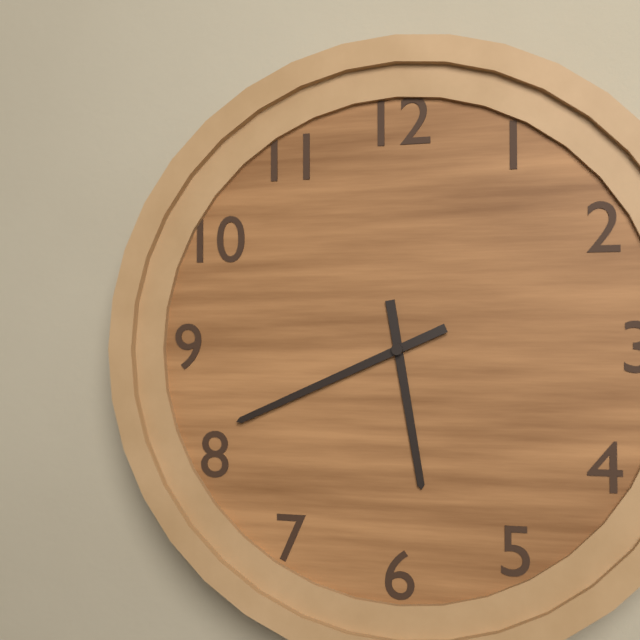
5,41
